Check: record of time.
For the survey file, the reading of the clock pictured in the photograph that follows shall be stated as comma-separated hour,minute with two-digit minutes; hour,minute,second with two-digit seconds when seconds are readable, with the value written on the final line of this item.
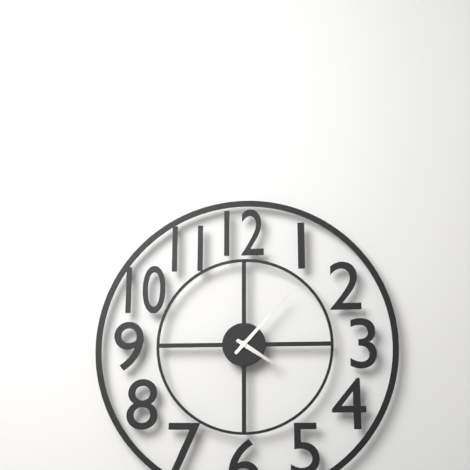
4,07
